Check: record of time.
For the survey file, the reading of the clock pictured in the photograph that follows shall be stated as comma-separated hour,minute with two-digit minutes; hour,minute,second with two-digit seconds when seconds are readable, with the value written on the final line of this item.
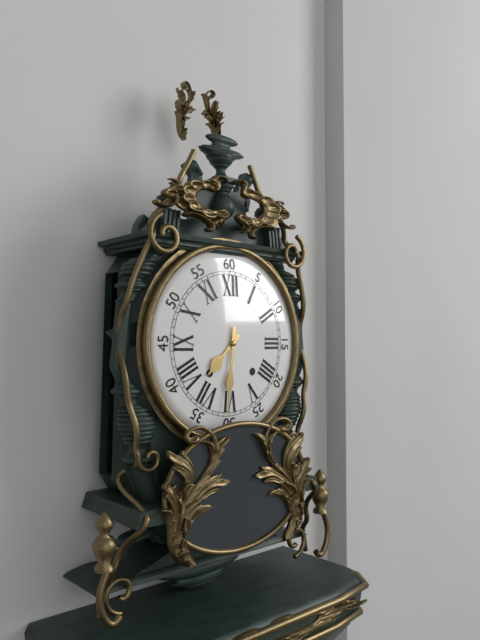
7,31
